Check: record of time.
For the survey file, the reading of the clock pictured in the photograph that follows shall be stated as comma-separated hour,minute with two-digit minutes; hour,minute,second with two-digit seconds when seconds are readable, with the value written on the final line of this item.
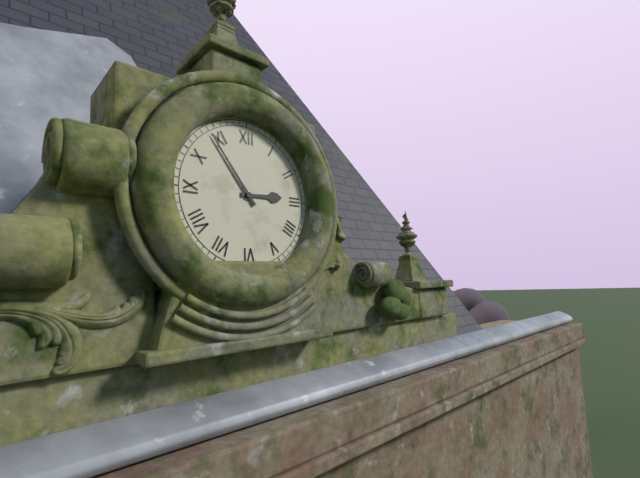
2,54
